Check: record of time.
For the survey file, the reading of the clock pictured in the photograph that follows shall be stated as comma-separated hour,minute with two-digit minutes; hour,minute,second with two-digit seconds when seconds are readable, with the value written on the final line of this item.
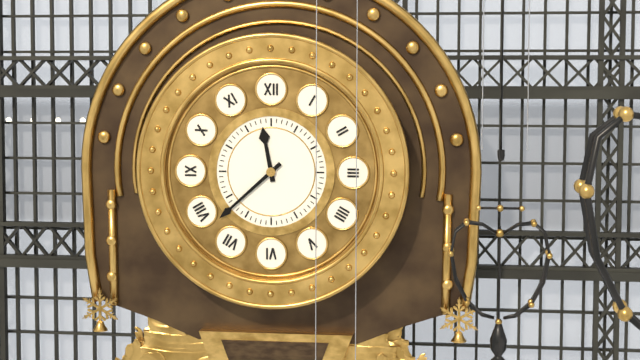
11,38
